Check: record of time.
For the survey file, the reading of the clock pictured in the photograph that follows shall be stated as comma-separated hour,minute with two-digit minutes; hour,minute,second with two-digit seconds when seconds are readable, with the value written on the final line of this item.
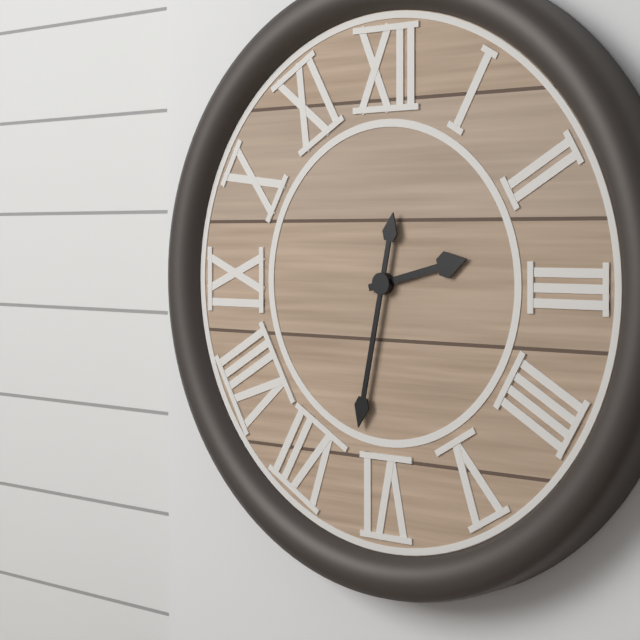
2,32
